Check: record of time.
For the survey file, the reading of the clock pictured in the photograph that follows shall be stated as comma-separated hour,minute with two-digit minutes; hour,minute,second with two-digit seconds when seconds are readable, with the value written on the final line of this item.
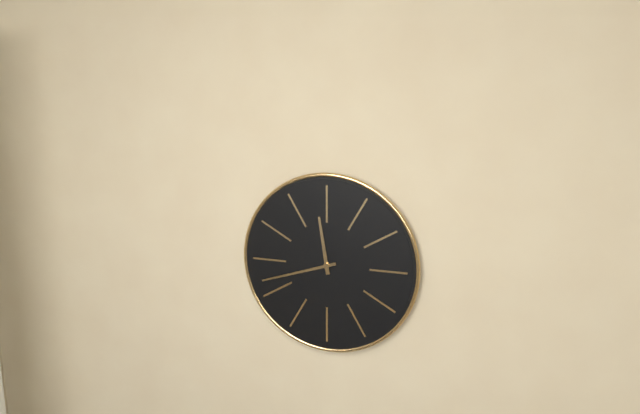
11,42
